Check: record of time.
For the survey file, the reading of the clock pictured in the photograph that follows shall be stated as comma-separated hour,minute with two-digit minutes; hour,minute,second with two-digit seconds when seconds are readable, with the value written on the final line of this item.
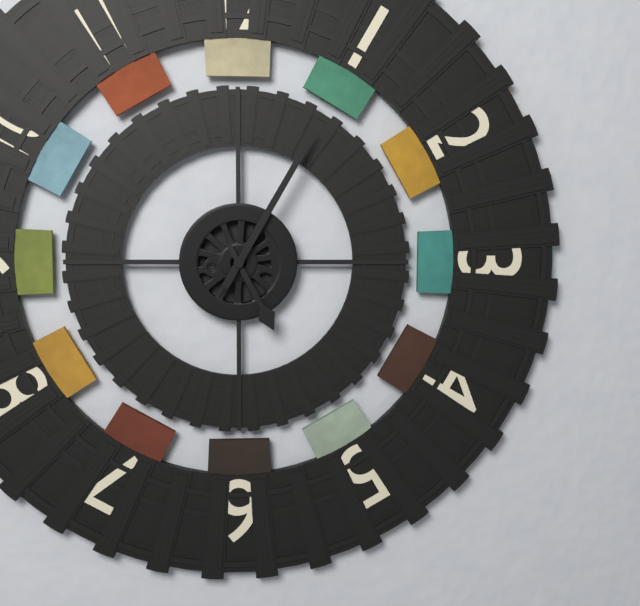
5,05
